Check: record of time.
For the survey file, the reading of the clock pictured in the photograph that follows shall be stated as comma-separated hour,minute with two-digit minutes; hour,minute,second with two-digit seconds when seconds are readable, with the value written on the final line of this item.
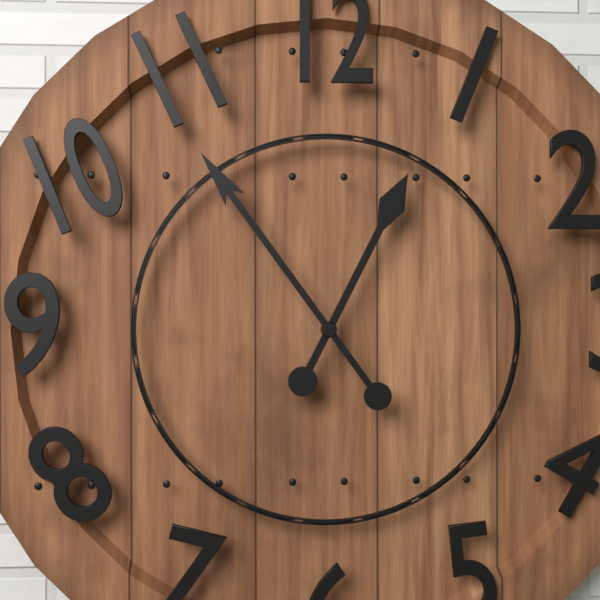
12,54
